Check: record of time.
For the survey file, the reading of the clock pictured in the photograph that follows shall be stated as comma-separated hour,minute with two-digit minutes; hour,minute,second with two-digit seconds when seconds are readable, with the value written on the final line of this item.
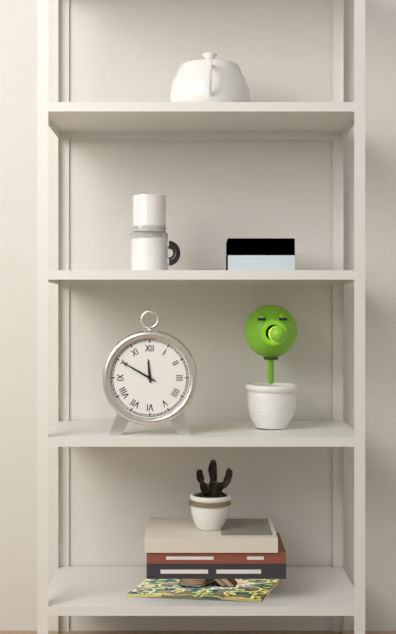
11,50
